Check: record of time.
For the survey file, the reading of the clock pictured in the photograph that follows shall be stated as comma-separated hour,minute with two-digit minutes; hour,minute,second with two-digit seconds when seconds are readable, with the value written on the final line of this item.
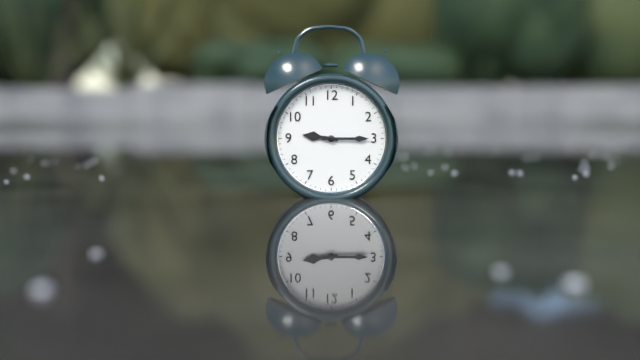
9,15
